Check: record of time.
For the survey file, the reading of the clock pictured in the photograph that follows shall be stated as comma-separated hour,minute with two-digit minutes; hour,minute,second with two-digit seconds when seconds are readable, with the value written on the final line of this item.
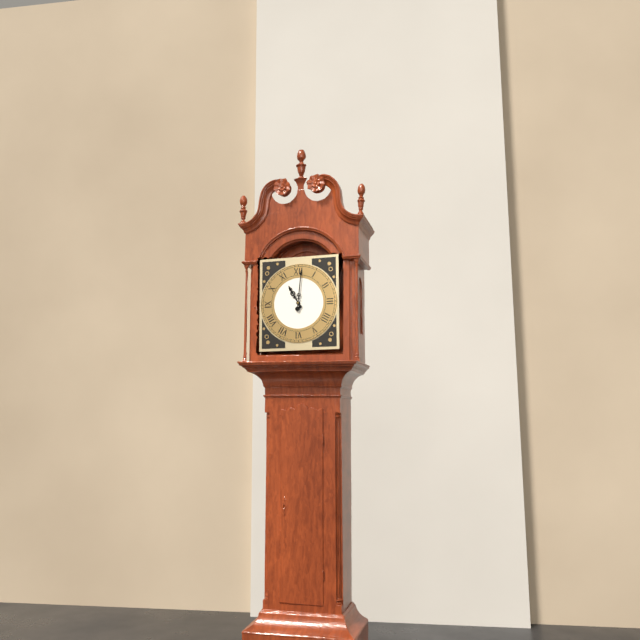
11,01
